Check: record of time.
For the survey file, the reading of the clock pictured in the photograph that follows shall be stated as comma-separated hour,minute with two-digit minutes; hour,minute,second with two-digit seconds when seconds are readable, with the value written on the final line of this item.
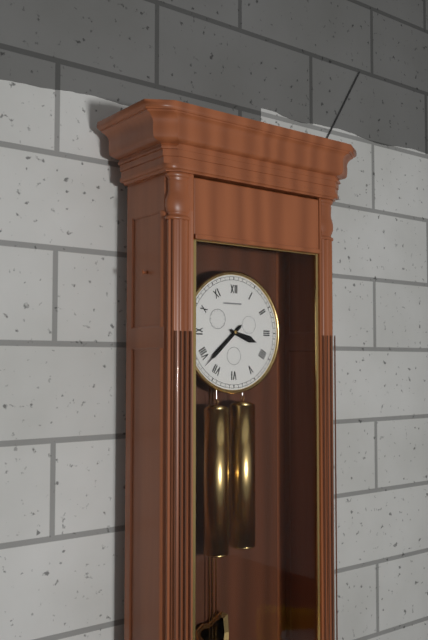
3,38
